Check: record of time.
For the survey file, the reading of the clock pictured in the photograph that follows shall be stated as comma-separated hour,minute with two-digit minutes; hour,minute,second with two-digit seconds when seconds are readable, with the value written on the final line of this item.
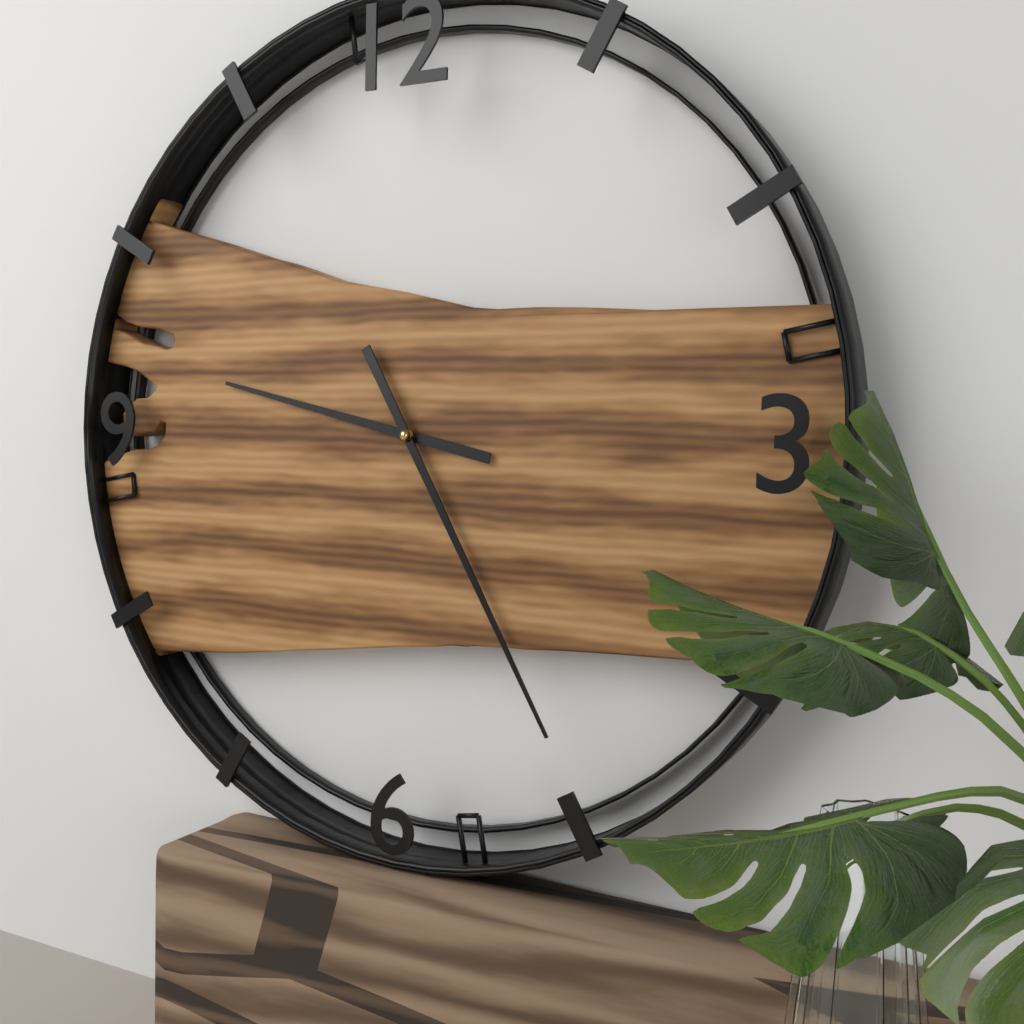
9,25
